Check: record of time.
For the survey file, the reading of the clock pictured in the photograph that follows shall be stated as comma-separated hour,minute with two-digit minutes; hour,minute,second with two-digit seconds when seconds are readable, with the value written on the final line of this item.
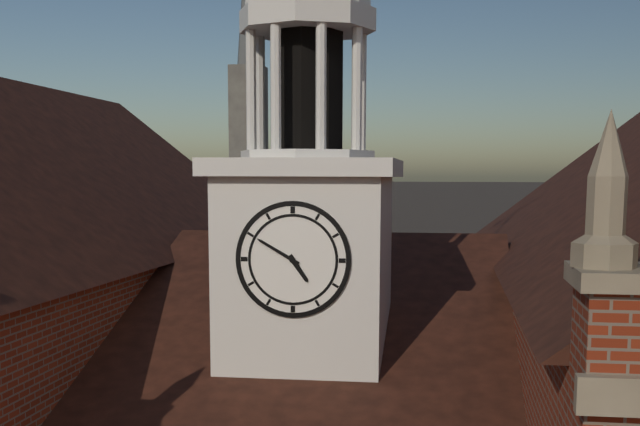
4,50
